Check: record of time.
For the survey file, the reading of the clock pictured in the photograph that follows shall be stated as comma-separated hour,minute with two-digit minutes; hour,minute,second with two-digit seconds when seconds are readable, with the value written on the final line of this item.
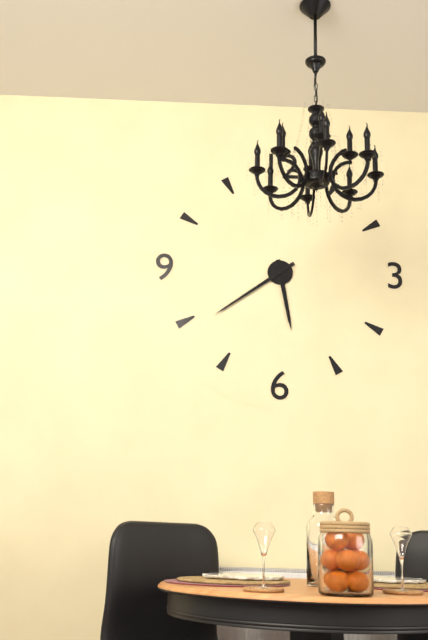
5,39
